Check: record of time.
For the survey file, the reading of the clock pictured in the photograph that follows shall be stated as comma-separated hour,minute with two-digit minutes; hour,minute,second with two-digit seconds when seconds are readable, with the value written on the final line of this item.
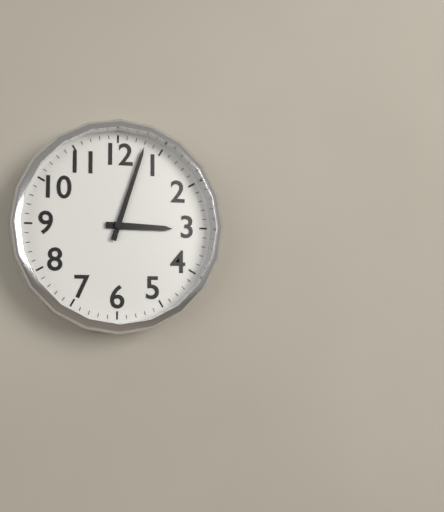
3,03
